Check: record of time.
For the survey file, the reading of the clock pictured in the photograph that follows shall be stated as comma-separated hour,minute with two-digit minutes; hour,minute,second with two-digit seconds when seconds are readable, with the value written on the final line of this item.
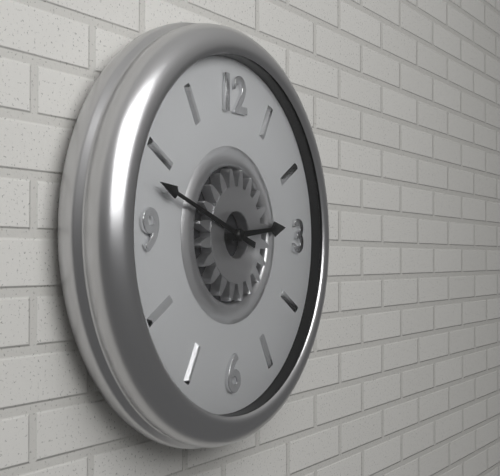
2,48
